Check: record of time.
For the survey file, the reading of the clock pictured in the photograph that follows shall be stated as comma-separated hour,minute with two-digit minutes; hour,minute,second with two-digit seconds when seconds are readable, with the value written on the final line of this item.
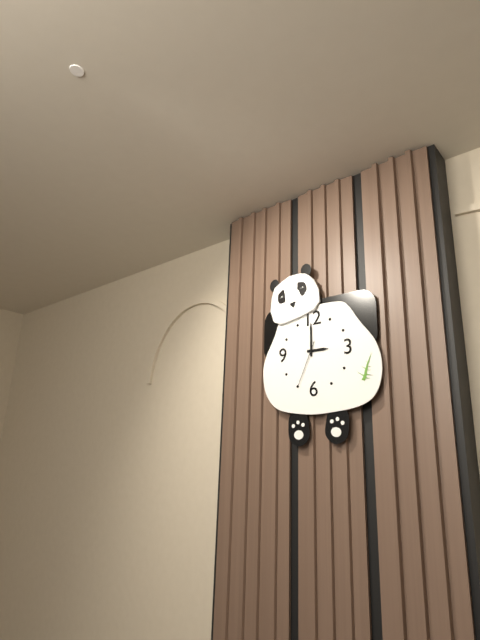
3,00
